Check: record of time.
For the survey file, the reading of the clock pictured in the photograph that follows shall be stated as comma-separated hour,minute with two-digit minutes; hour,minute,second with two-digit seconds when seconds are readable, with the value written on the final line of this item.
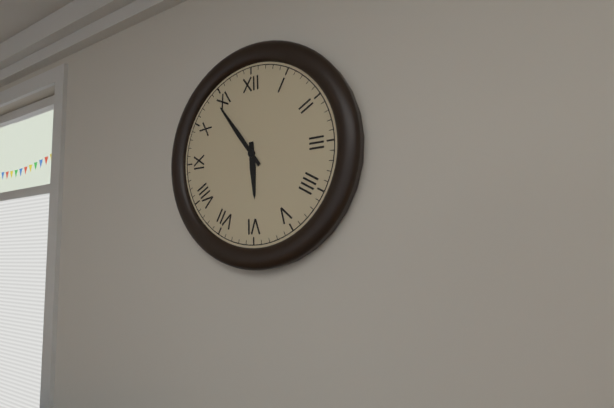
5,54
